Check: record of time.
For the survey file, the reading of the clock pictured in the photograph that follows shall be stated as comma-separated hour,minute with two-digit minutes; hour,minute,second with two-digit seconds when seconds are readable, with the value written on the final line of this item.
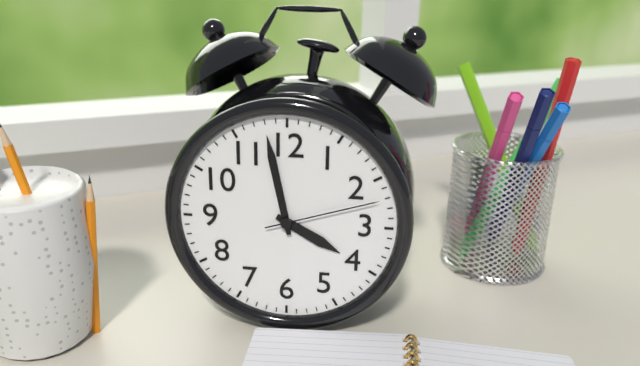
3,58,12
